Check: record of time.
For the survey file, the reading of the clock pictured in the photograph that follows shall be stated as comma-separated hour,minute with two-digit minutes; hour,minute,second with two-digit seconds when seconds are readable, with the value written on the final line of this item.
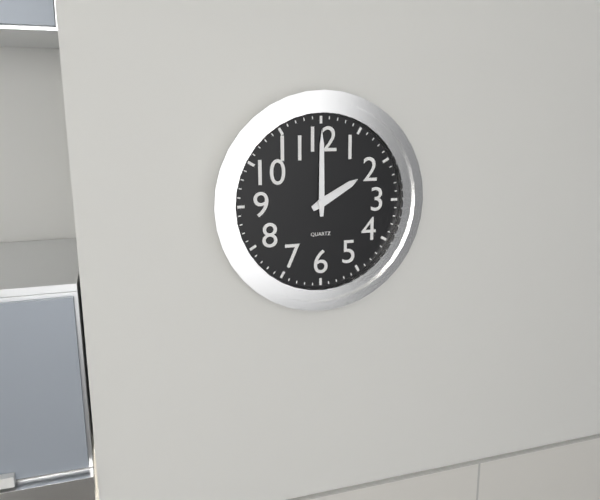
2,00
